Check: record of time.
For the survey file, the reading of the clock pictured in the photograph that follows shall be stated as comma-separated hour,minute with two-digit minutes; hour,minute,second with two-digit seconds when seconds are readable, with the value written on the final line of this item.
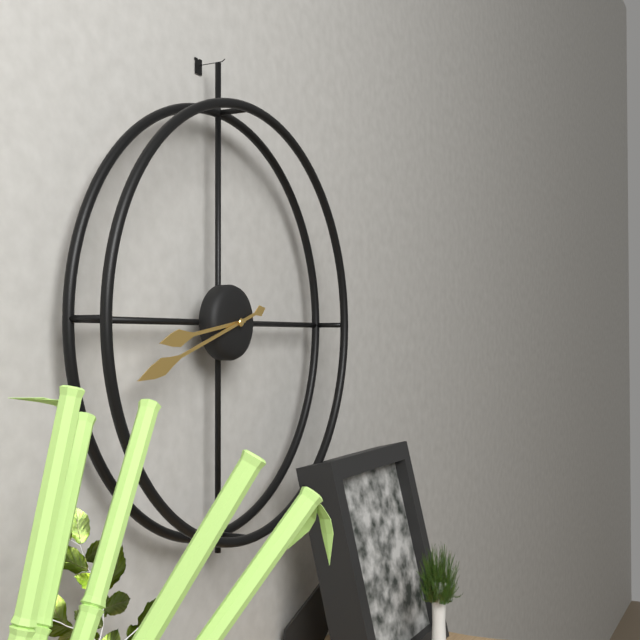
8,42
